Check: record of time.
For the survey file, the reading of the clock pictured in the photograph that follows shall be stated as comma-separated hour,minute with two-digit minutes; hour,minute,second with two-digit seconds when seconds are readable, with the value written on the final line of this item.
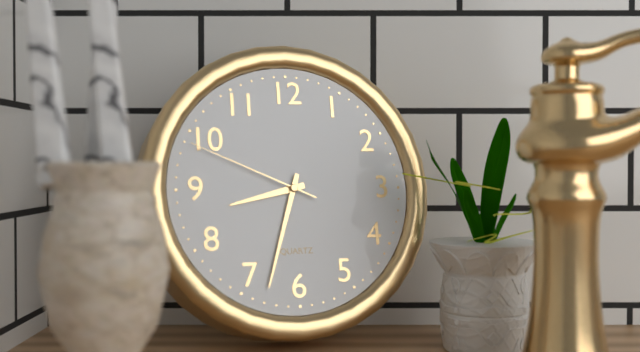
8,33,49
